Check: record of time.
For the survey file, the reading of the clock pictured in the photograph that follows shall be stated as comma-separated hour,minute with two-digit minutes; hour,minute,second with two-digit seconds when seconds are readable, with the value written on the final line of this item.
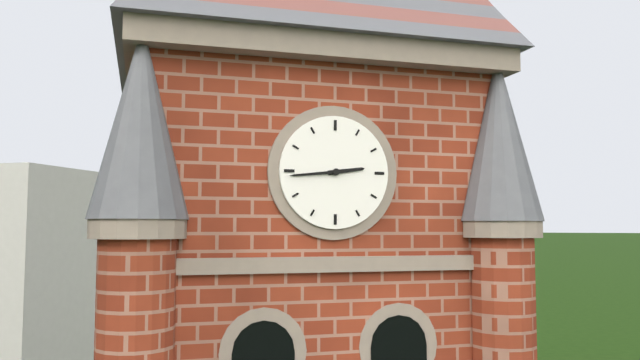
2,44
